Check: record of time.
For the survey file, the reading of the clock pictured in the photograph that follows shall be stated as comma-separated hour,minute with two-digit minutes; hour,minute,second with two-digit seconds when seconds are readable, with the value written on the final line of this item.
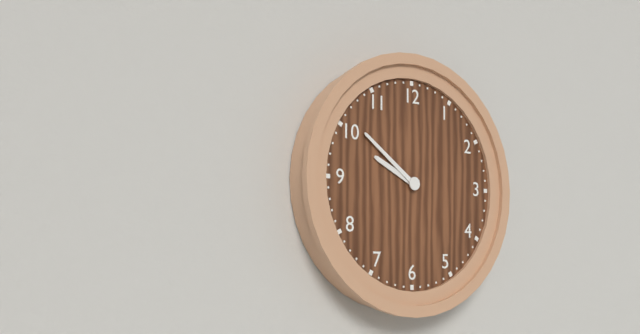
9,51
